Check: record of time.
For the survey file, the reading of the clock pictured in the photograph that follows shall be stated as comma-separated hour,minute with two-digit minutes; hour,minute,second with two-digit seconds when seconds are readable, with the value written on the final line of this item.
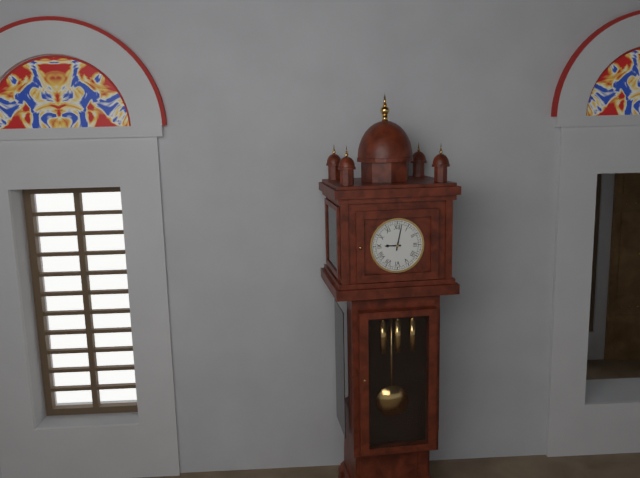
9,02
